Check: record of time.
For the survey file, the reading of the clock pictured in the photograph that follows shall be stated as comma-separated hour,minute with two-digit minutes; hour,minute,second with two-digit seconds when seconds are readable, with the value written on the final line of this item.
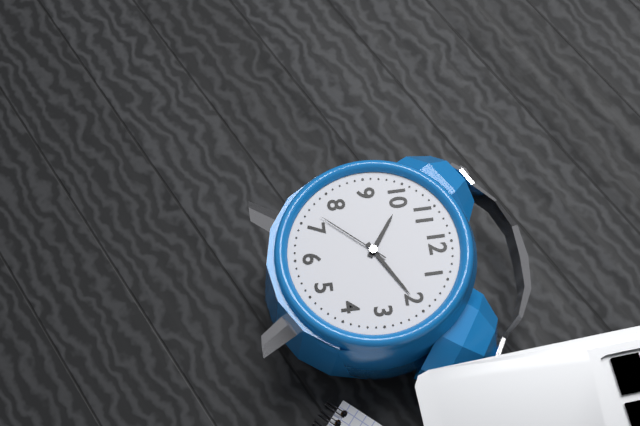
10,10,37
